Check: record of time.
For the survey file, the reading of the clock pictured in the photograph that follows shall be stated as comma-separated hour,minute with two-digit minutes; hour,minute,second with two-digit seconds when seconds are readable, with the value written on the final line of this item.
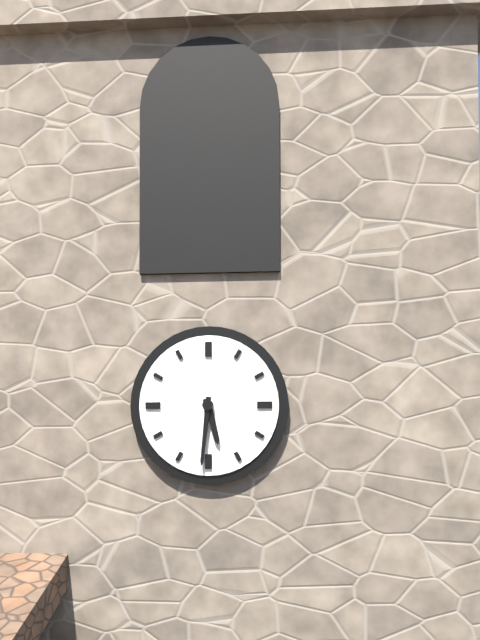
5,31
